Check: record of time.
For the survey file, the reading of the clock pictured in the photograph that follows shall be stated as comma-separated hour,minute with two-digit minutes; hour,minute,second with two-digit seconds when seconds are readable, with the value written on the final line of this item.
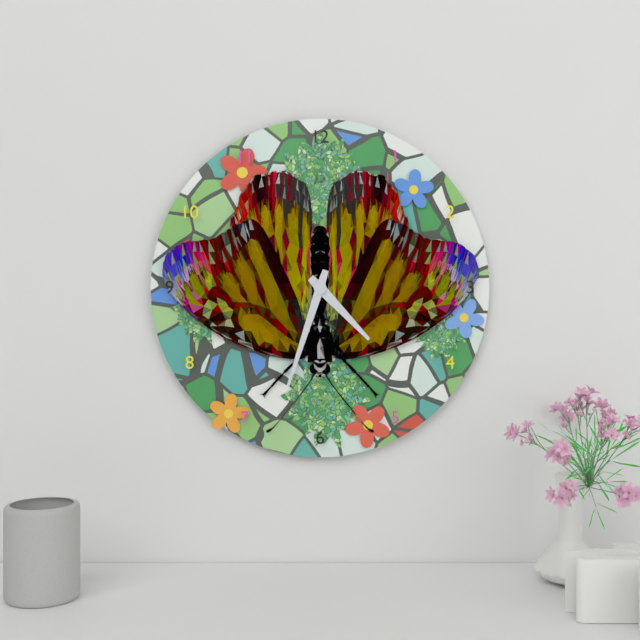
4,33
